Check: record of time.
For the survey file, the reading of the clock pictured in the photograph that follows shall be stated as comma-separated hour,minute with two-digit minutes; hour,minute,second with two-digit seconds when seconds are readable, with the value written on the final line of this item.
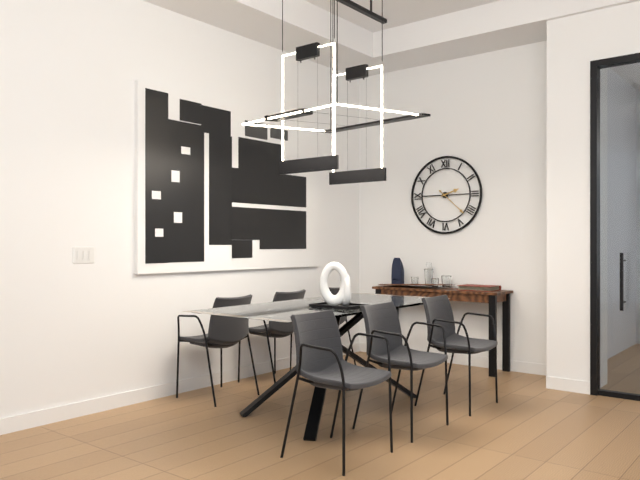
2,22
